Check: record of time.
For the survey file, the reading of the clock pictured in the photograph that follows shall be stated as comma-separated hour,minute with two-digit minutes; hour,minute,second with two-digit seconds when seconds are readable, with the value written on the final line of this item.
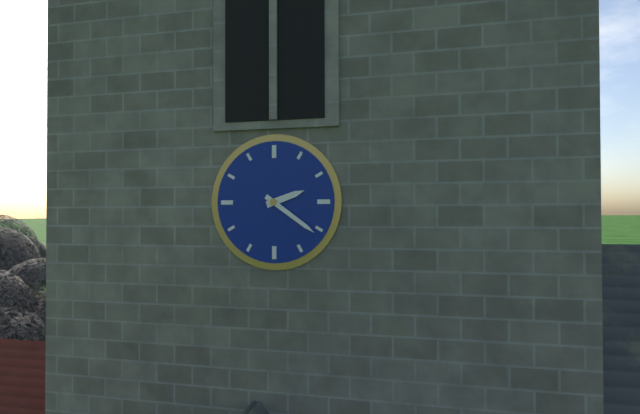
2,21
